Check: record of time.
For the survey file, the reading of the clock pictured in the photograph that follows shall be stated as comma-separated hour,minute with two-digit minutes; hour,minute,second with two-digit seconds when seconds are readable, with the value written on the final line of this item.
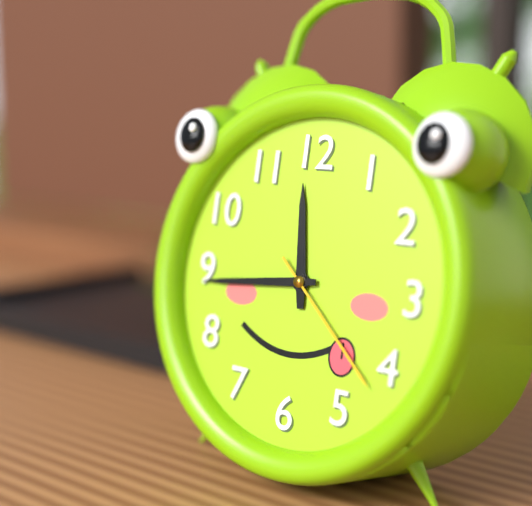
11,44,22
